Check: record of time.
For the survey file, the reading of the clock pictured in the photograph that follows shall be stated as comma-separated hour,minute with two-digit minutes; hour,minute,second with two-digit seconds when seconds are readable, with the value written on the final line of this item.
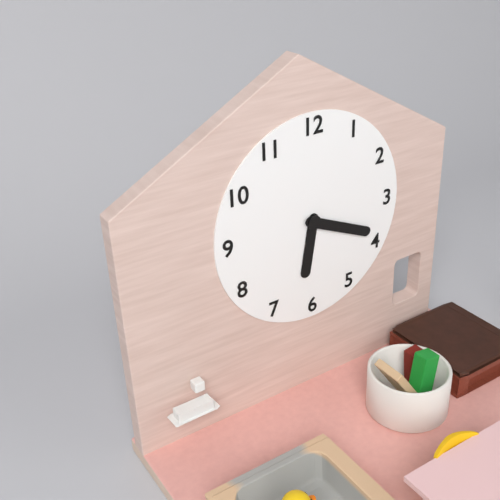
6,19
